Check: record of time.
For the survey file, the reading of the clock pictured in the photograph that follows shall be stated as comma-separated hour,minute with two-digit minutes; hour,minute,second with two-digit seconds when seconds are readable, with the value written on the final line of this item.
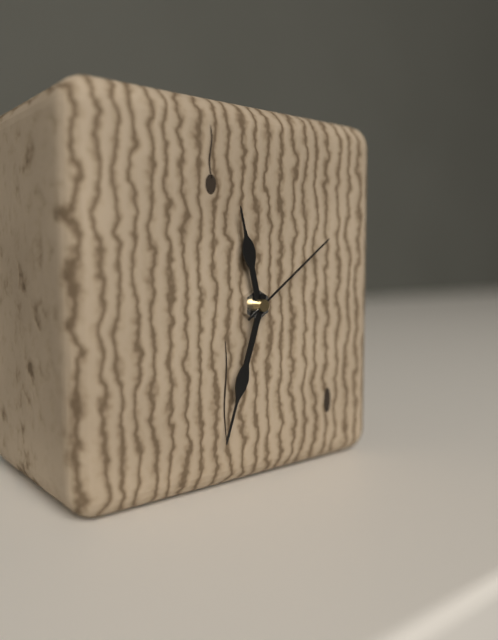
11,33,09
